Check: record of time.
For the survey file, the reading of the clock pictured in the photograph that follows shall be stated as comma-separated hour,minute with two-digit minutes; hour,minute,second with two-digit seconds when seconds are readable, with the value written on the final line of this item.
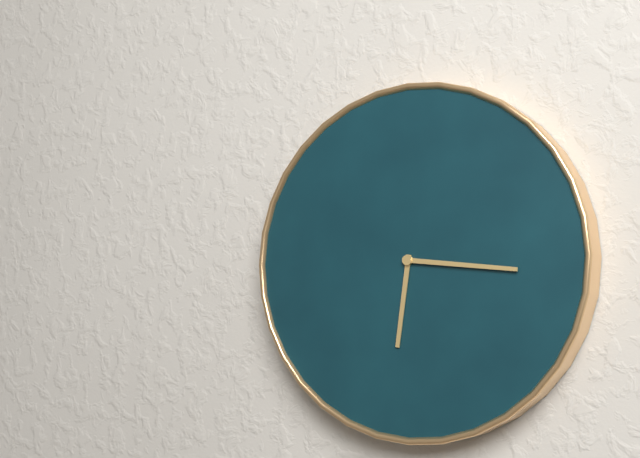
6,16
